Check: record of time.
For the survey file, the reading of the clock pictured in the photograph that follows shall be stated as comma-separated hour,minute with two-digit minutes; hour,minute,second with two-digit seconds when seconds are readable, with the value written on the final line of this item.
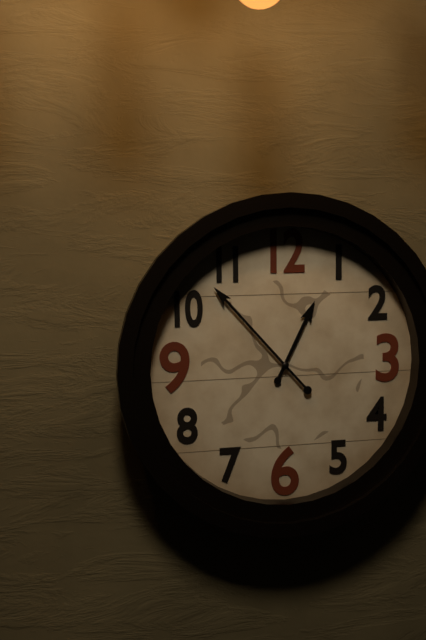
12,53
